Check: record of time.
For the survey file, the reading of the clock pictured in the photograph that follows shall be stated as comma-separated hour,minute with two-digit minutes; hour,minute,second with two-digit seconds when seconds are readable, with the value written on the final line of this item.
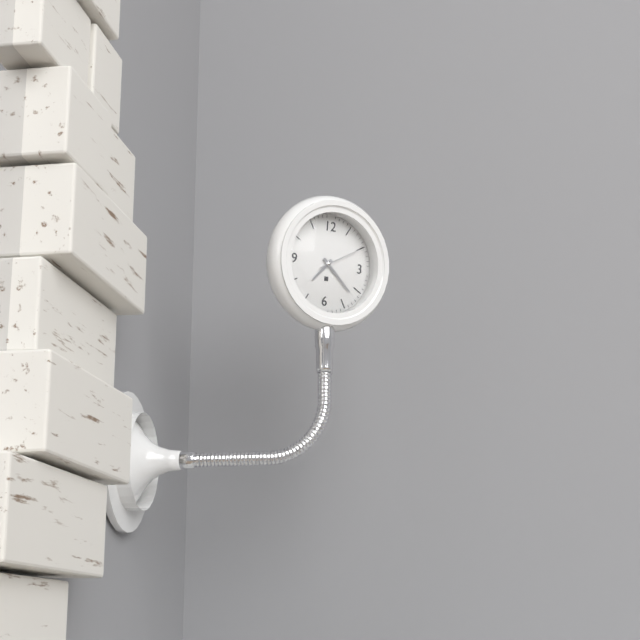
7,22
